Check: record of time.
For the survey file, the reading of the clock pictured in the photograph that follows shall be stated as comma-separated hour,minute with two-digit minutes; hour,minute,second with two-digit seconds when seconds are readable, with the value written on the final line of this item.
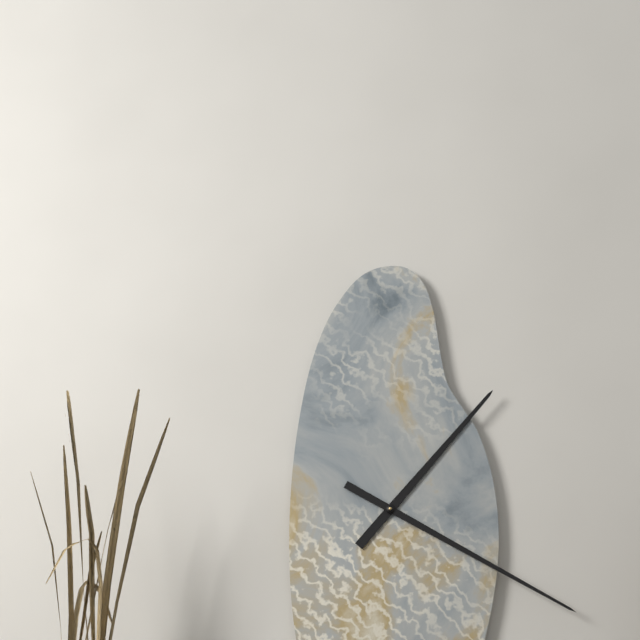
1,20
